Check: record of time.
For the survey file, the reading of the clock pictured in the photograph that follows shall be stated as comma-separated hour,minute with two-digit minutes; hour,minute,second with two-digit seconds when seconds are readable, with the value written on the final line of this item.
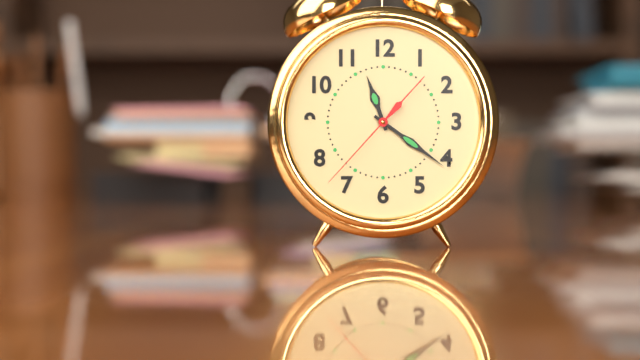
11,21,37
